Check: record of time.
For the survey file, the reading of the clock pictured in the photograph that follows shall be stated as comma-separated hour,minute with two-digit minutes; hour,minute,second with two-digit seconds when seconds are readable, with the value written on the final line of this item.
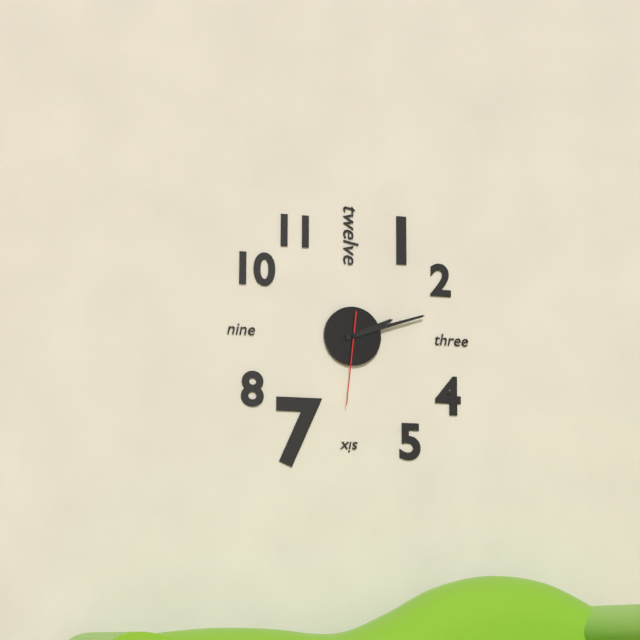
2,12,31
